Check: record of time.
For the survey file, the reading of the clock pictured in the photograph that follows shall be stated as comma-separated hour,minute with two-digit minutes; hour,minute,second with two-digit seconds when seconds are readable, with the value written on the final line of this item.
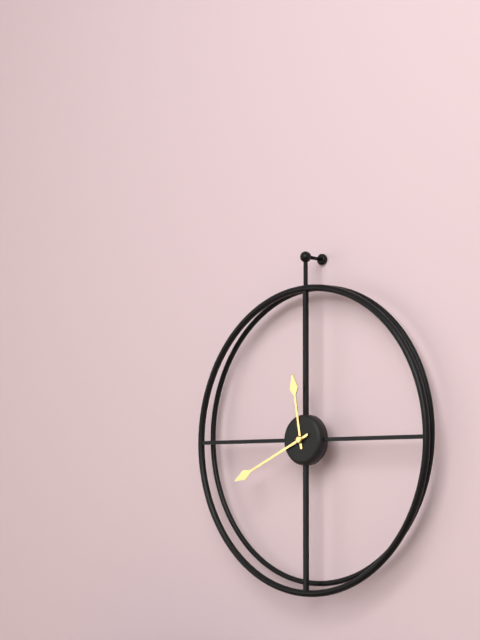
11,41
